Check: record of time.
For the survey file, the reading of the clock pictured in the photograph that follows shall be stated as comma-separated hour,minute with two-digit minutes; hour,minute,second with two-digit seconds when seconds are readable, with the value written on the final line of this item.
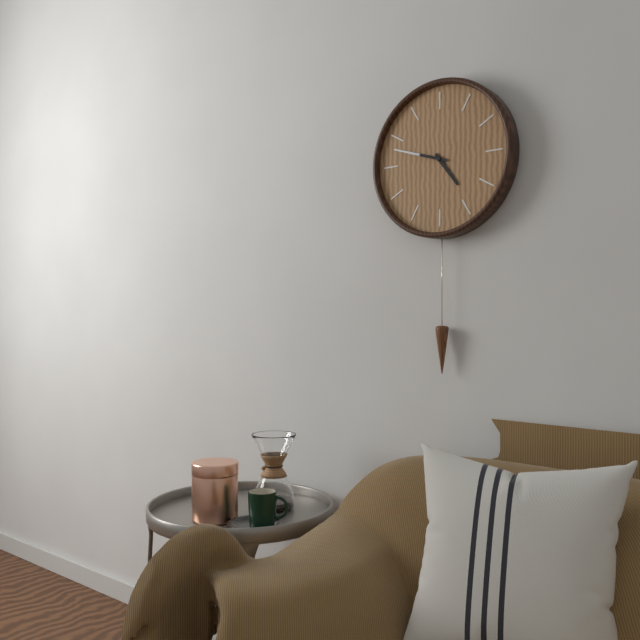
4,48
